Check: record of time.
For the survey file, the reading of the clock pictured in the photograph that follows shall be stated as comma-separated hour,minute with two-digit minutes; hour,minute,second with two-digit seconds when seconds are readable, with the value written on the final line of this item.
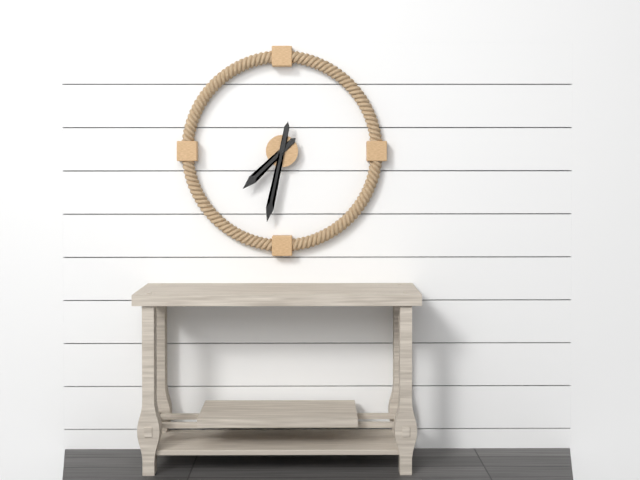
7,32
